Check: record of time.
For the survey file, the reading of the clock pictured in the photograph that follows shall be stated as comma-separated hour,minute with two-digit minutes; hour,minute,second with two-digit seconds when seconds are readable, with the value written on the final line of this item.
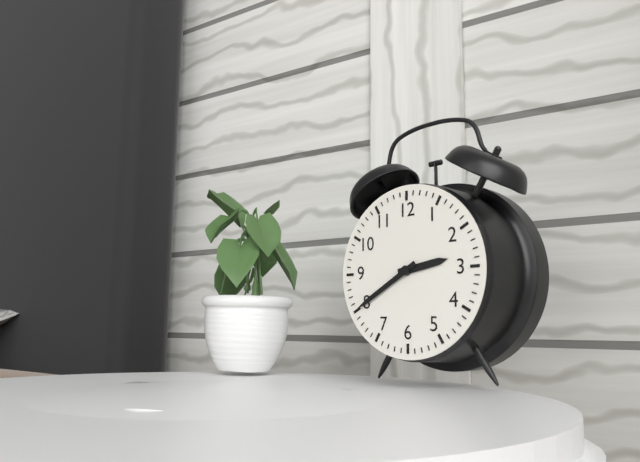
2,40
